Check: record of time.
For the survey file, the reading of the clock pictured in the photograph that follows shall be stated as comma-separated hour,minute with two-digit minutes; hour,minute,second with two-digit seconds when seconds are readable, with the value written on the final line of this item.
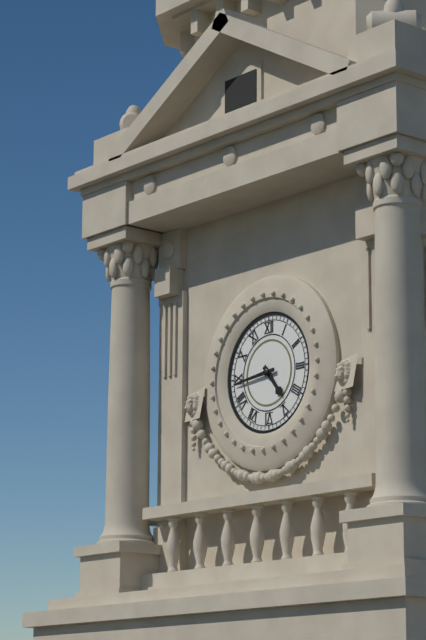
4,44
